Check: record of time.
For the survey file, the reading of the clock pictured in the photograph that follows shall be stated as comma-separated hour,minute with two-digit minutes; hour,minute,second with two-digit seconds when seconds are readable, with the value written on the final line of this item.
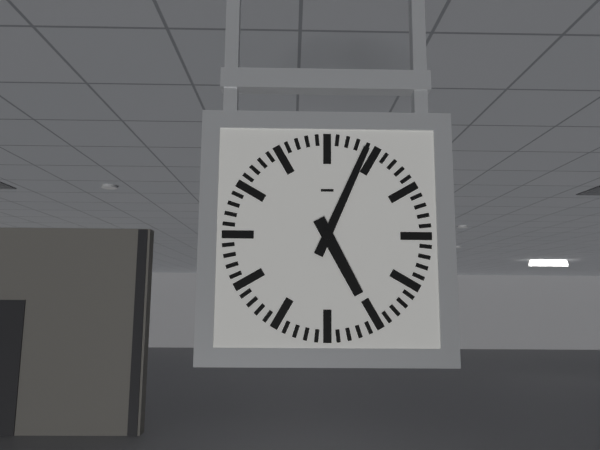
5,04
